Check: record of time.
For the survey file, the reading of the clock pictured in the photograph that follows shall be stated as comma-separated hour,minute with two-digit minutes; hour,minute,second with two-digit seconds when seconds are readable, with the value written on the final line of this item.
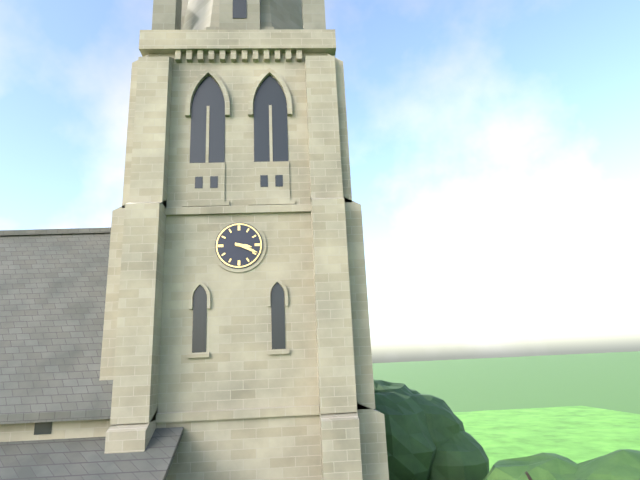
3,19
